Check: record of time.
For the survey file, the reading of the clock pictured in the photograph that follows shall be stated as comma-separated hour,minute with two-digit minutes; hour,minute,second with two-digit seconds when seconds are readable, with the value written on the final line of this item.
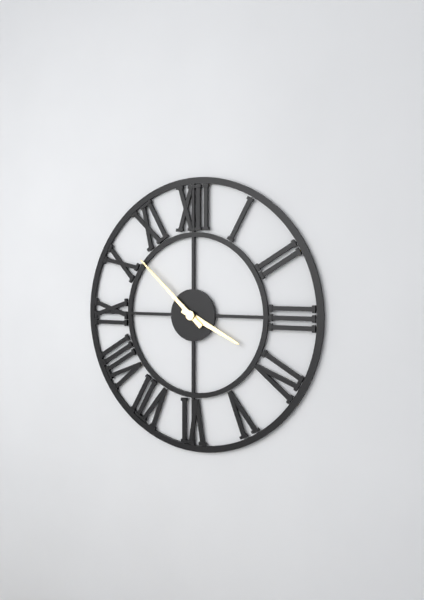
3,52
